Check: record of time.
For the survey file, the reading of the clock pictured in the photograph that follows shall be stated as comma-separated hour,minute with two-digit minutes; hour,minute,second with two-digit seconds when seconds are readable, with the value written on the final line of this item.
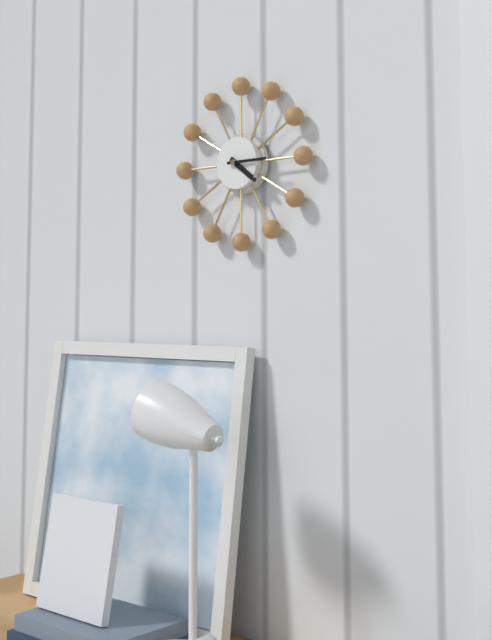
4,15
